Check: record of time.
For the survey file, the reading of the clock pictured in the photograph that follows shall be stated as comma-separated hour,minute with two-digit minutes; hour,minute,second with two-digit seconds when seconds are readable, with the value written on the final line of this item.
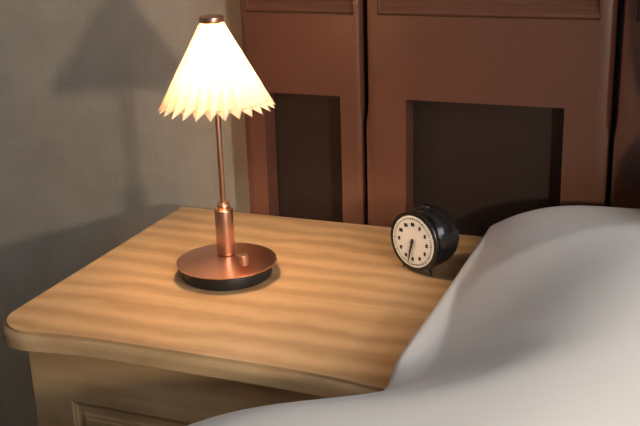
6,32
